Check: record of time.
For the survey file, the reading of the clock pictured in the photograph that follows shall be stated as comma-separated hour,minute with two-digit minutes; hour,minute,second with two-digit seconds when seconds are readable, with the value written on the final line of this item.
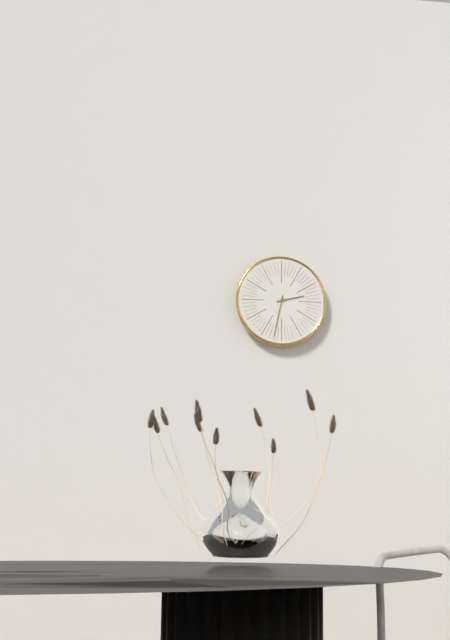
2,32
